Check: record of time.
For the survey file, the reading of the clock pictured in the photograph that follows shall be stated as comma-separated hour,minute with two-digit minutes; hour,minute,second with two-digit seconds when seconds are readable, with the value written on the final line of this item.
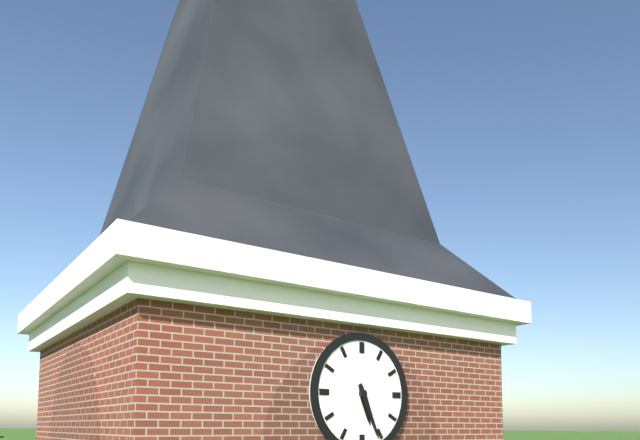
5,26
